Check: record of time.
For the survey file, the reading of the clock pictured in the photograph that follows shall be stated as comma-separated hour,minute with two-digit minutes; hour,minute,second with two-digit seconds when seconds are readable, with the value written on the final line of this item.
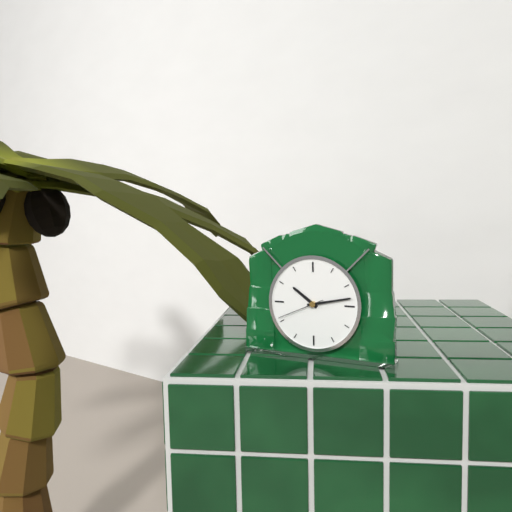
10,13
